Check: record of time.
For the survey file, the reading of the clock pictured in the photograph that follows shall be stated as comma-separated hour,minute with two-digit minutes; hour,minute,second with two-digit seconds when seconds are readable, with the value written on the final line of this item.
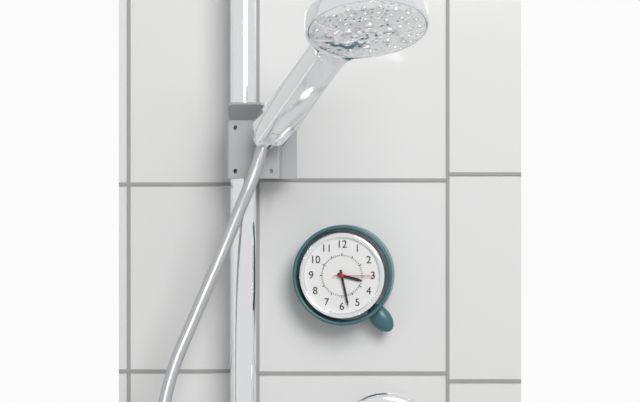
3,28
